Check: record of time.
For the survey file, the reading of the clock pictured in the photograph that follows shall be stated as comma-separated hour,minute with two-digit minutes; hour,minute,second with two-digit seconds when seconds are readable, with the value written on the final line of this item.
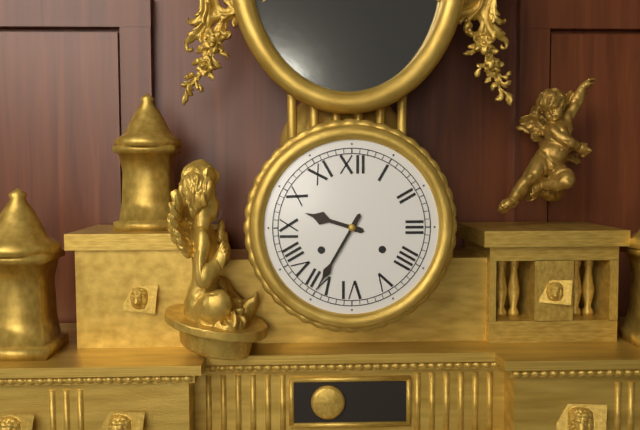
9,35
